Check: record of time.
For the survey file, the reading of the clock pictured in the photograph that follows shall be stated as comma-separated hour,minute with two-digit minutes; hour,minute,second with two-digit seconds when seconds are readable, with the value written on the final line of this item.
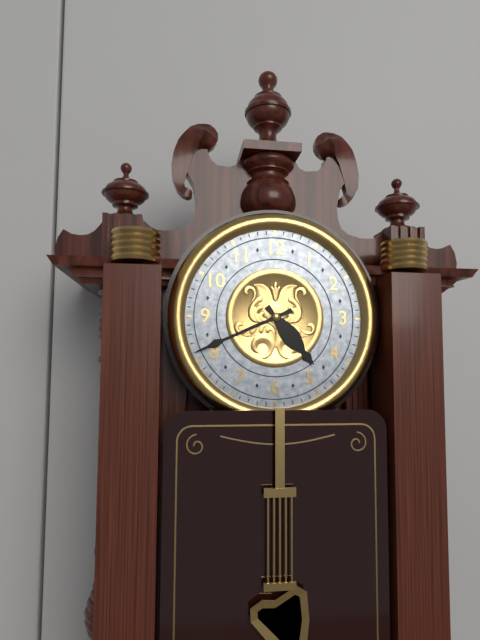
4,41
